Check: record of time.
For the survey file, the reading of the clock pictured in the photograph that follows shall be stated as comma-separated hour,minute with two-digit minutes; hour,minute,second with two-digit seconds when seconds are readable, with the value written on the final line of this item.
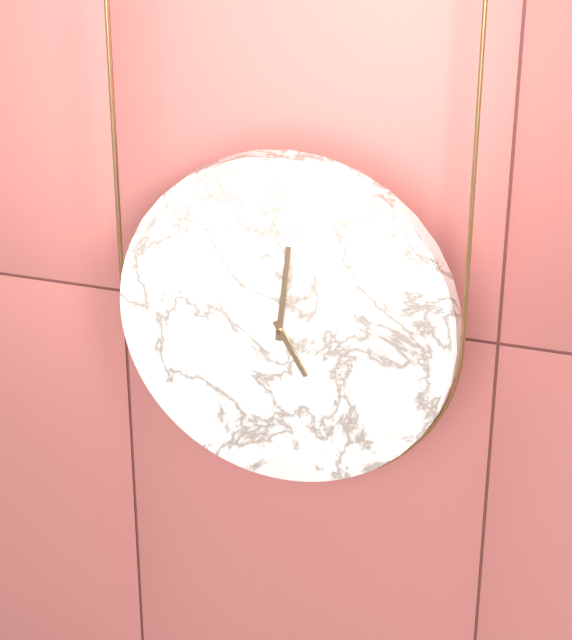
5,01
